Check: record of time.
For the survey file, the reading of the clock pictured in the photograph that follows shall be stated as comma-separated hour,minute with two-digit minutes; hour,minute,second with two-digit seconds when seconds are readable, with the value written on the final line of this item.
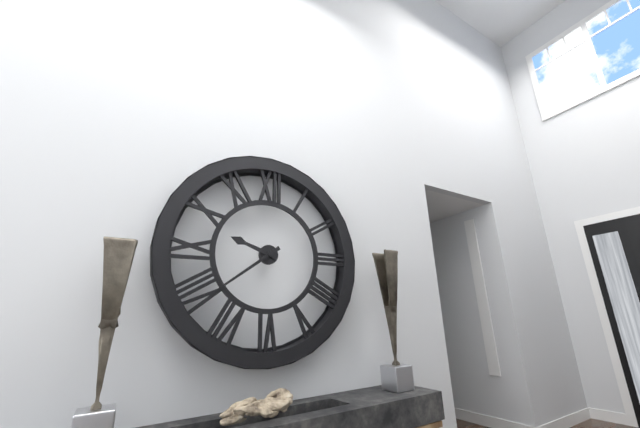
9,39
